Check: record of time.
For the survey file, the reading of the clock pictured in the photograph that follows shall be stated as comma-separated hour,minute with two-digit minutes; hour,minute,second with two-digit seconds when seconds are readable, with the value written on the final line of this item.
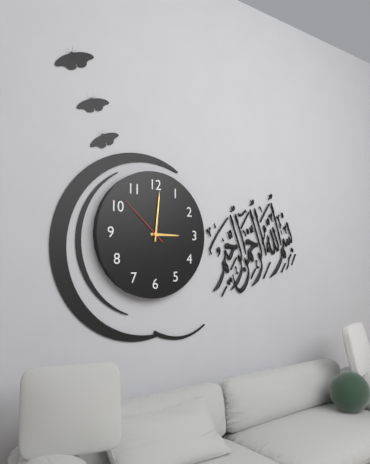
3,01,52
